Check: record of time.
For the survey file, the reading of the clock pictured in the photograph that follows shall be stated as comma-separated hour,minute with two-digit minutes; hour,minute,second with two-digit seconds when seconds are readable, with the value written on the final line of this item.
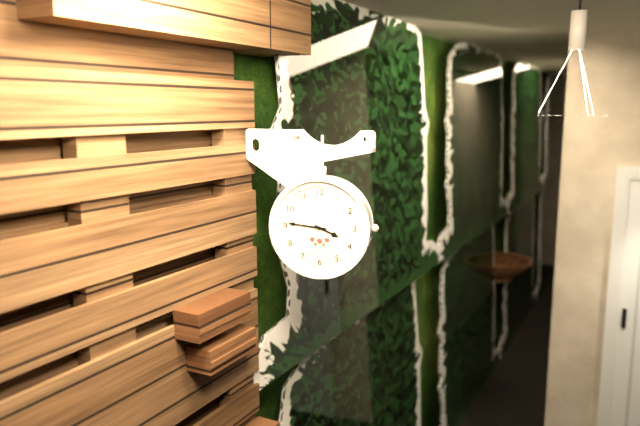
3,46
